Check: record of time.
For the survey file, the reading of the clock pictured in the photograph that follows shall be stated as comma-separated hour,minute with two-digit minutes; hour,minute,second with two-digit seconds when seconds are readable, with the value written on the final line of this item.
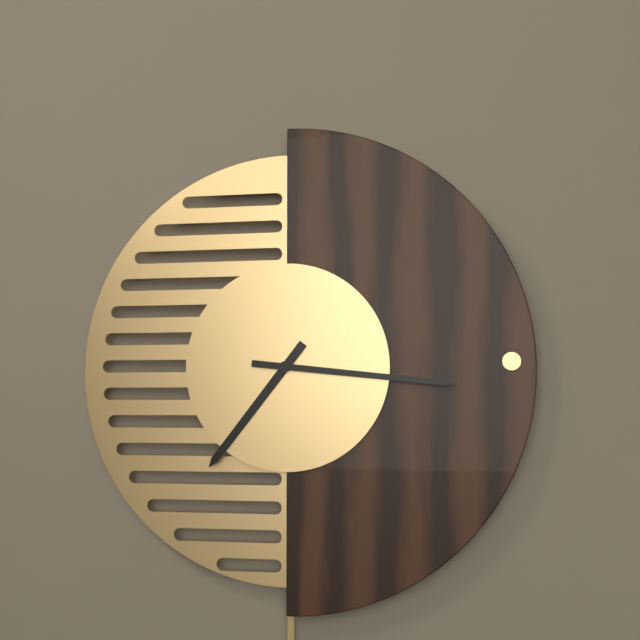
7,16
